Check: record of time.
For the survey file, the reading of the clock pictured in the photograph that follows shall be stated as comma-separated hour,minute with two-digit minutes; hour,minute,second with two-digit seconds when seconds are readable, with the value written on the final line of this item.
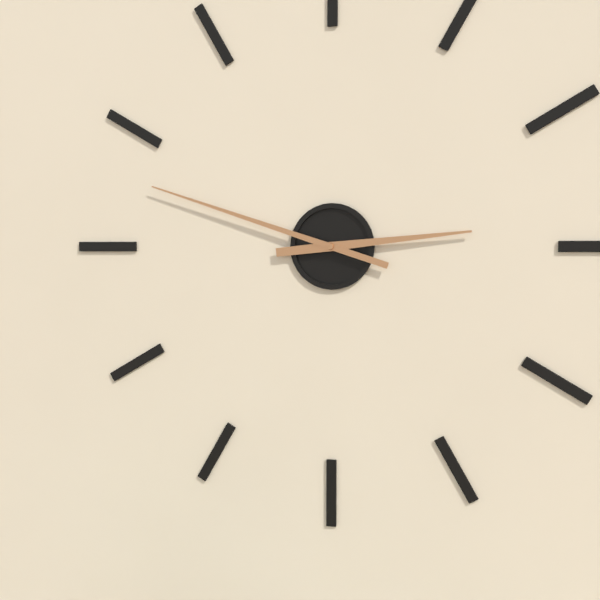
2,48
